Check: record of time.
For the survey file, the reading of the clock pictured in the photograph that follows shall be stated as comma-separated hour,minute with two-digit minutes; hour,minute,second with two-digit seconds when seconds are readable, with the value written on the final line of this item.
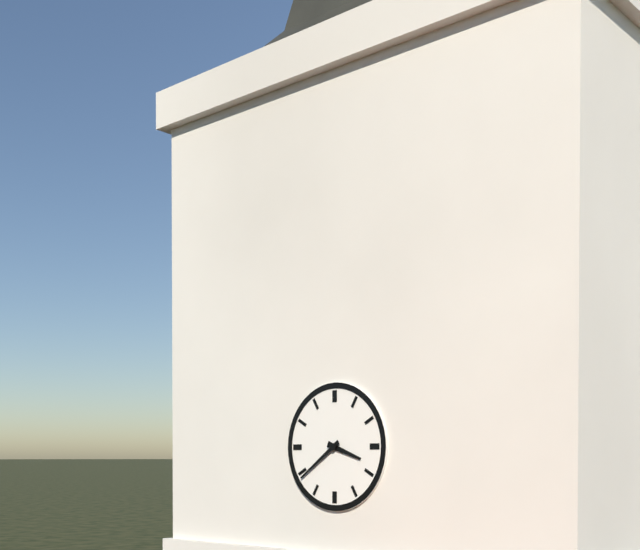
3,39
